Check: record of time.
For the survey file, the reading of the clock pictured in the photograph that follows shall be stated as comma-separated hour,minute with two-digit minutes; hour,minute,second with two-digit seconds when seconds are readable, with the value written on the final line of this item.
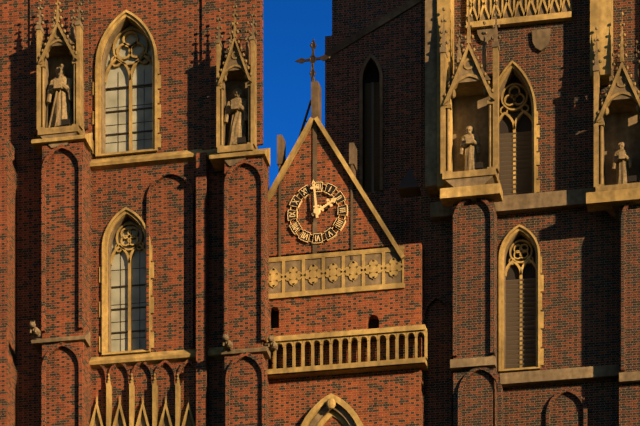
1,59
